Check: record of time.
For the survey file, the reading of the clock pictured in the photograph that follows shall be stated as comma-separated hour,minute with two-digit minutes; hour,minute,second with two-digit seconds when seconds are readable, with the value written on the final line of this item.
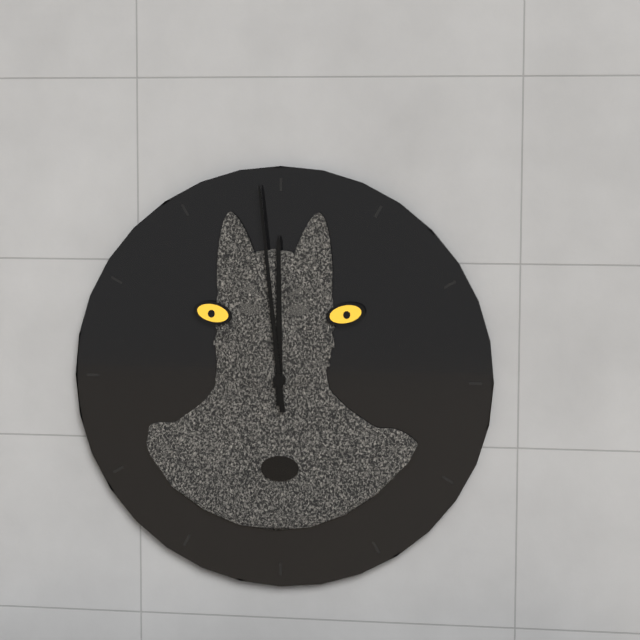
11,59
